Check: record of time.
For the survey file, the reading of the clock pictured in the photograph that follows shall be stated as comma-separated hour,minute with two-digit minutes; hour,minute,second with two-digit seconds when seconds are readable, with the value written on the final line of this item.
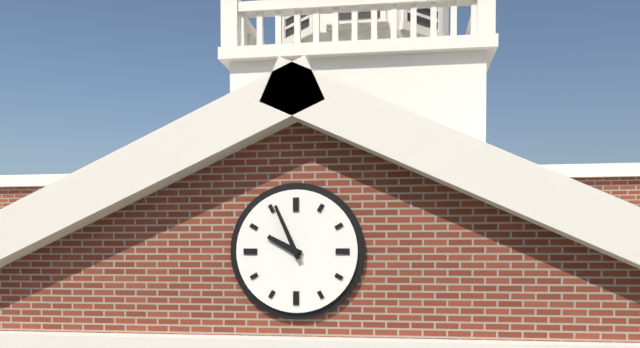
9,56
